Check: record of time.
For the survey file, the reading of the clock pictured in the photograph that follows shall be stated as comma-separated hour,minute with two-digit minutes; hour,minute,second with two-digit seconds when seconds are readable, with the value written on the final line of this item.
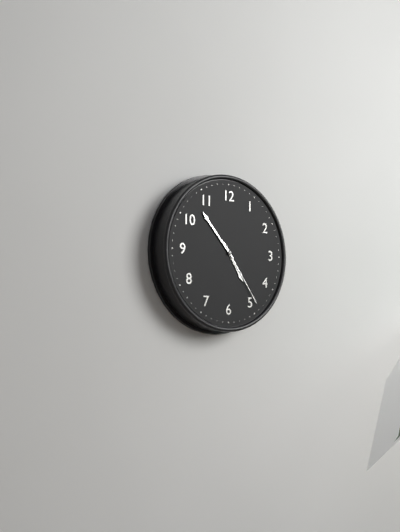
4,53,24
